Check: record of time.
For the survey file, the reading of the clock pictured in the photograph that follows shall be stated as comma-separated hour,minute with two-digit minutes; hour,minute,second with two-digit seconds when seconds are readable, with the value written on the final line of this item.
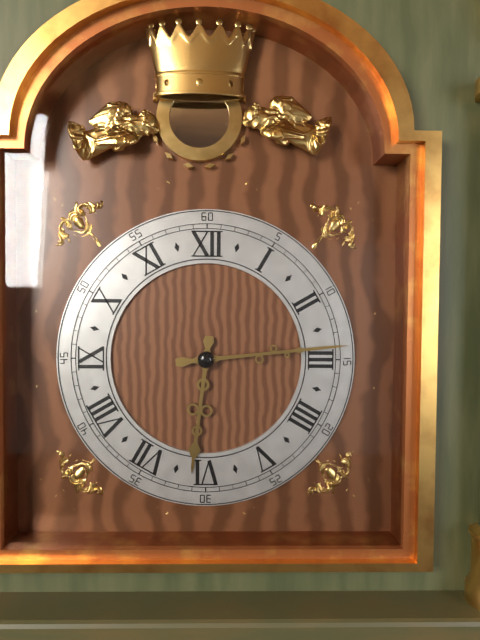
6,14
